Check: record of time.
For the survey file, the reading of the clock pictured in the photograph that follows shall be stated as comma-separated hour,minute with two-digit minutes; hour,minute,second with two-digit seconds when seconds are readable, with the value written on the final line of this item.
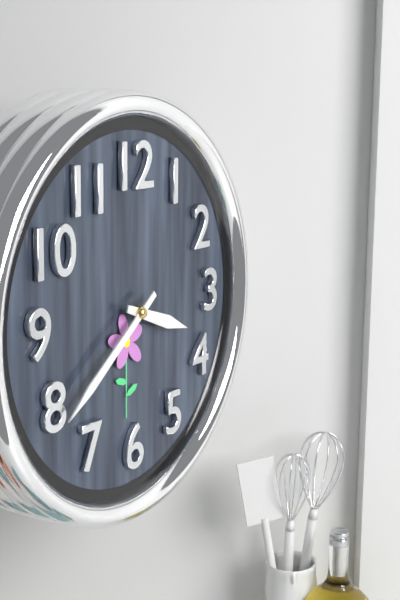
3,39
